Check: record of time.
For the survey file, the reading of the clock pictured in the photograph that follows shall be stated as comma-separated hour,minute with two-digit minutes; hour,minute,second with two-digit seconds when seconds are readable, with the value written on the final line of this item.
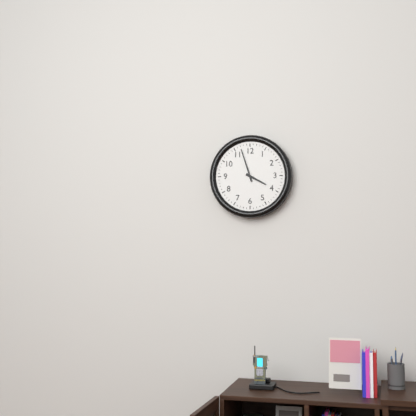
3,57
